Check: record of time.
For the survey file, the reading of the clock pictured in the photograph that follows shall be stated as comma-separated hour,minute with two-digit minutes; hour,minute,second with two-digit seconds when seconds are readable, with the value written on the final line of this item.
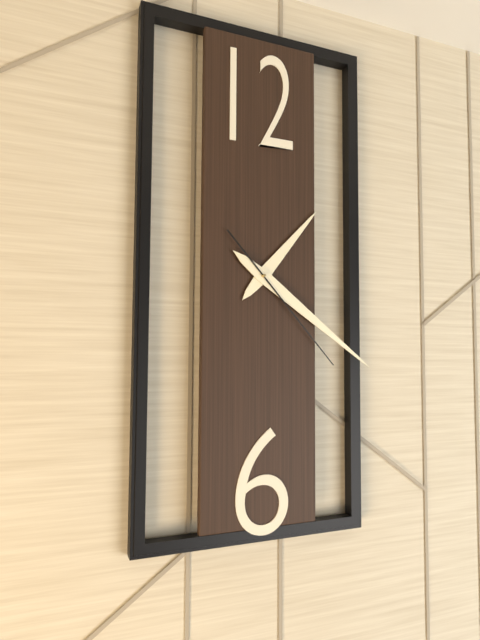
1,21,23
